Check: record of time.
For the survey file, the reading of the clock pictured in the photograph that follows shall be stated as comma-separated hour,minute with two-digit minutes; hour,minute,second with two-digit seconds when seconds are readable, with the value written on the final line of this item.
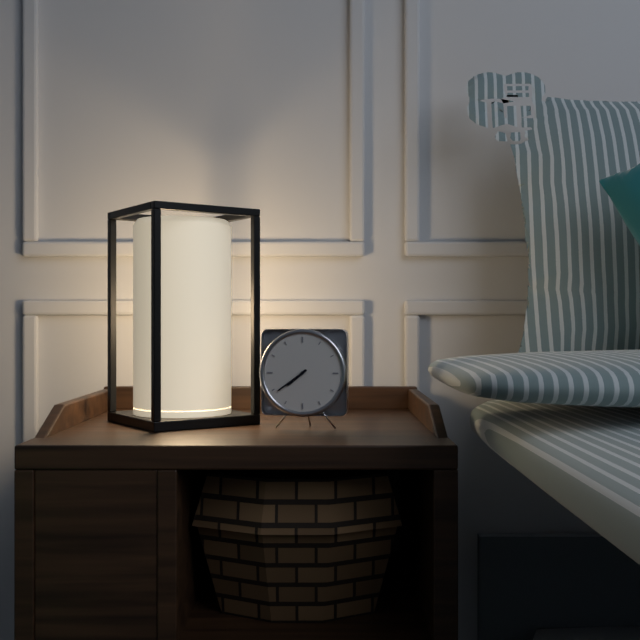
7,39
